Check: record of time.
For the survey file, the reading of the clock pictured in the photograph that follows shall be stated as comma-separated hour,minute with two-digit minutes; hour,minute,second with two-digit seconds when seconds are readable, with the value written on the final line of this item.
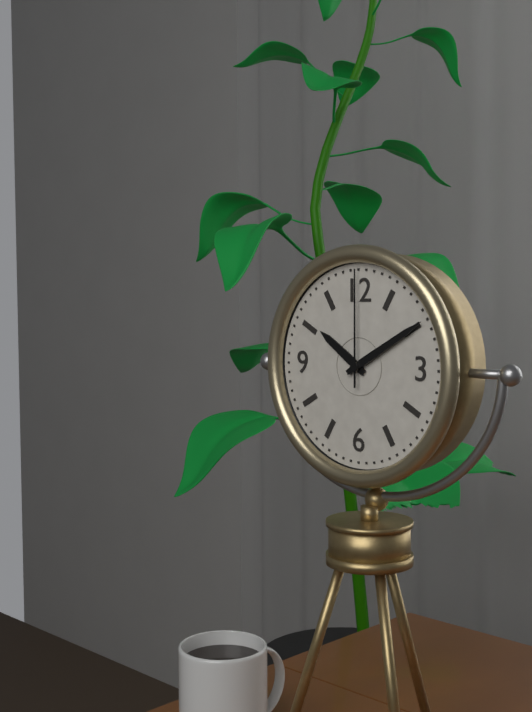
10,10,00
